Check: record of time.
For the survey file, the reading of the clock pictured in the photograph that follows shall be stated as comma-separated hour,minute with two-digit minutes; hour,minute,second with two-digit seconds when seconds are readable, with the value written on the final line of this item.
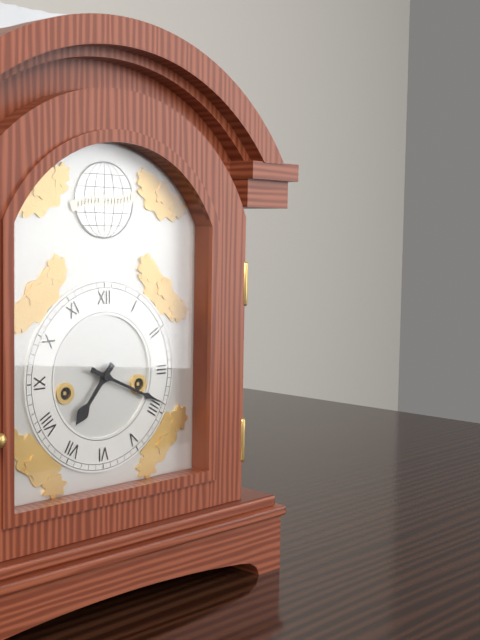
7,19
